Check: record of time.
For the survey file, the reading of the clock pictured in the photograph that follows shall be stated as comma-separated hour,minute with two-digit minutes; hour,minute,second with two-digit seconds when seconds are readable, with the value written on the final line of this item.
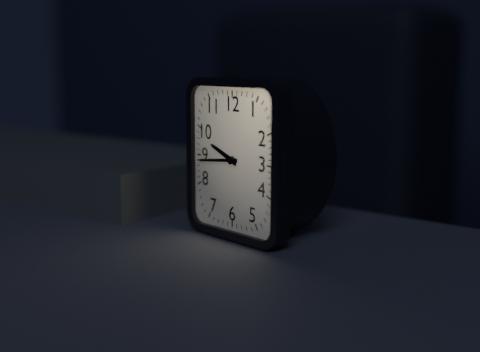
9,44
